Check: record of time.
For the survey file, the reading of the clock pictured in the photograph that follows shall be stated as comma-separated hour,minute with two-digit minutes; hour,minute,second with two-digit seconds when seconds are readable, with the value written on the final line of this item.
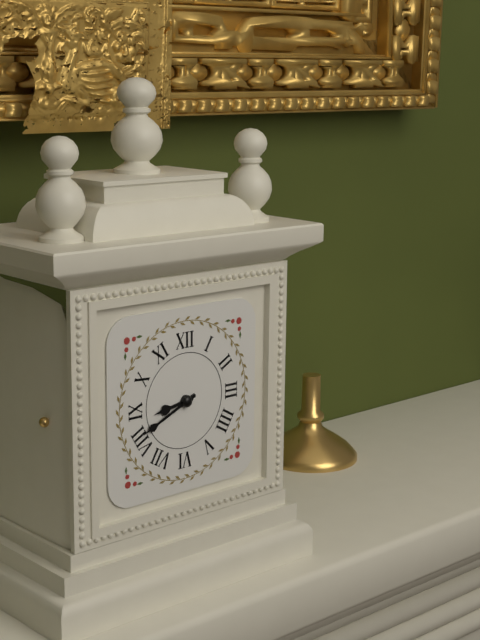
8,41
